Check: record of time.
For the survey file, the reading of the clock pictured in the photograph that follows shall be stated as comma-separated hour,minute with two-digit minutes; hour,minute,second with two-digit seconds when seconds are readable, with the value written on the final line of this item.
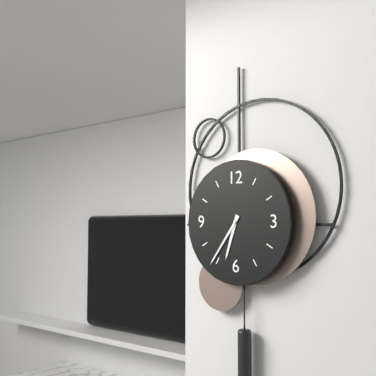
6,36
